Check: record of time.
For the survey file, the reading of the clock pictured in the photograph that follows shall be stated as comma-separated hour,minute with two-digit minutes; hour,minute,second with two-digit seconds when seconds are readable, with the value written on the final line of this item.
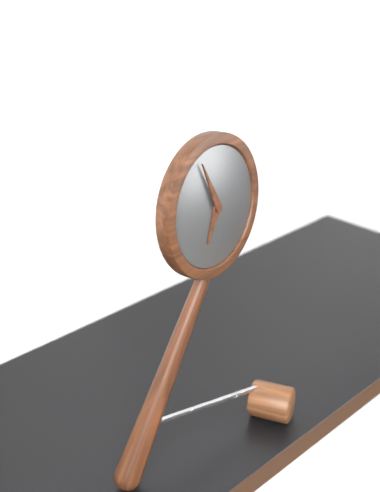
6,56
